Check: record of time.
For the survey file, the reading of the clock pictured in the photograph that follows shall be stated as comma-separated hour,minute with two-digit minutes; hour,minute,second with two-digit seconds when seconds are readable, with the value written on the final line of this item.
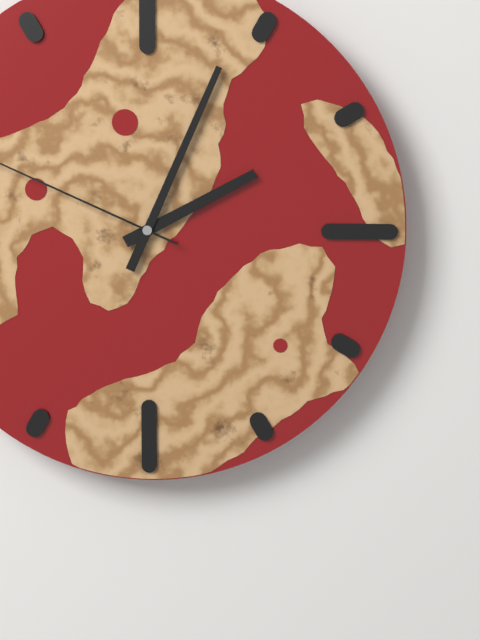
2,04
